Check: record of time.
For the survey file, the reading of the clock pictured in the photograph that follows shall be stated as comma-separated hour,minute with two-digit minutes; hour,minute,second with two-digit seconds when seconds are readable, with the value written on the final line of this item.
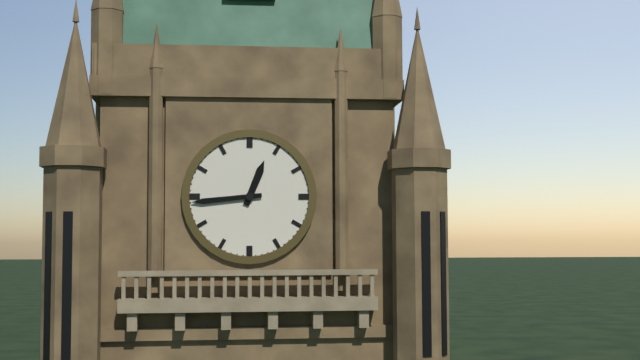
12,44
